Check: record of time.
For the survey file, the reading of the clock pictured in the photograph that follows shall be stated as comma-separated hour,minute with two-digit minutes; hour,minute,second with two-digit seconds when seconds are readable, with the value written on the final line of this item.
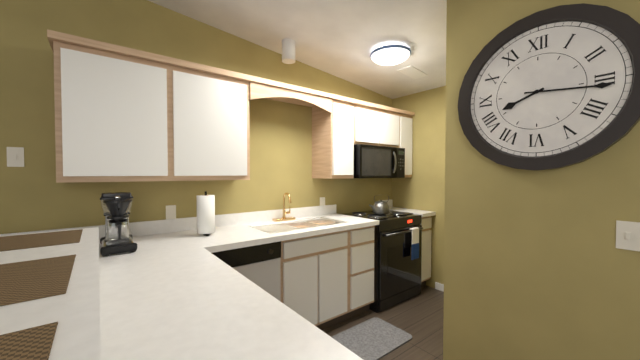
8,16
